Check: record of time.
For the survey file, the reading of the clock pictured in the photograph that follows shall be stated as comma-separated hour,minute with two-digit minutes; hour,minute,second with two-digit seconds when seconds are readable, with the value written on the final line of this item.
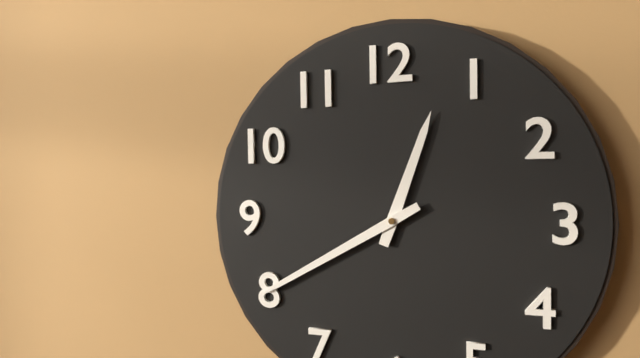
12,40
